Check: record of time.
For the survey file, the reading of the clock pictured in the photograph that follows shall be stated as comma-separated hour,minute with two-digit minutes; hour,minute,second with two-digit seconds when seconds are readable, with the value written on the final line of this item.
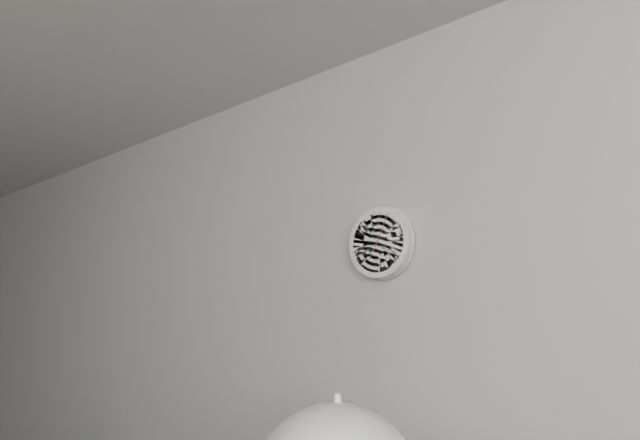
7,04
